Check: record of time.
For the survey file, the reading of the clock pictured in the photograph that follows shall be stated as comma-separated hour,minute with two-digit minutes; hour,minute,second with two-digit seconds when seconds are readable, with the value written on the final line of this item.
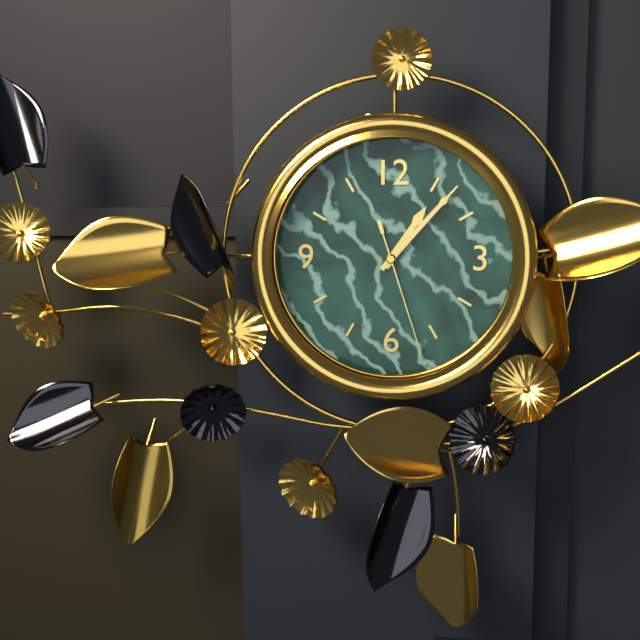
1,07,27
